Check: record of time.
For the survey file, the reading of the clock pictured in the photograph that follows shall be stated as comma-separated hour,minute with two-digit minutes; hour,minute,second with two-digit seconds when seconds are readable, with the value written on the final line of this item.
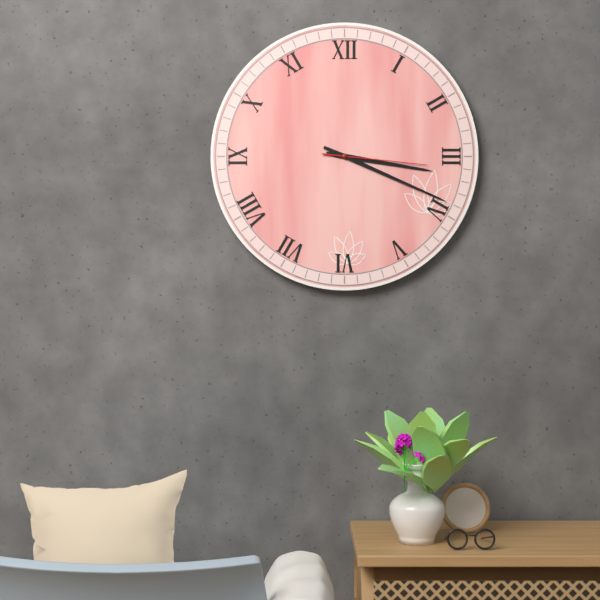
3,19,16
